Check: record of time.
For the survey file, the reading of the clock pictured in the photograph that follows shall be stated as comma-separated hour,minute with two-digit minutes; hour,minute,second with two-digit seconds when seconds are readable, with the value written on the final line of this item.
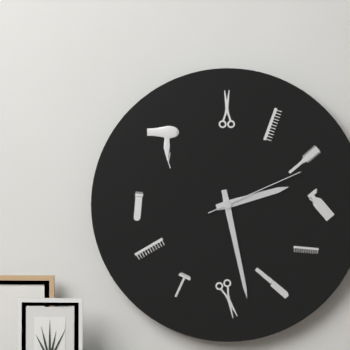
2,28,11
